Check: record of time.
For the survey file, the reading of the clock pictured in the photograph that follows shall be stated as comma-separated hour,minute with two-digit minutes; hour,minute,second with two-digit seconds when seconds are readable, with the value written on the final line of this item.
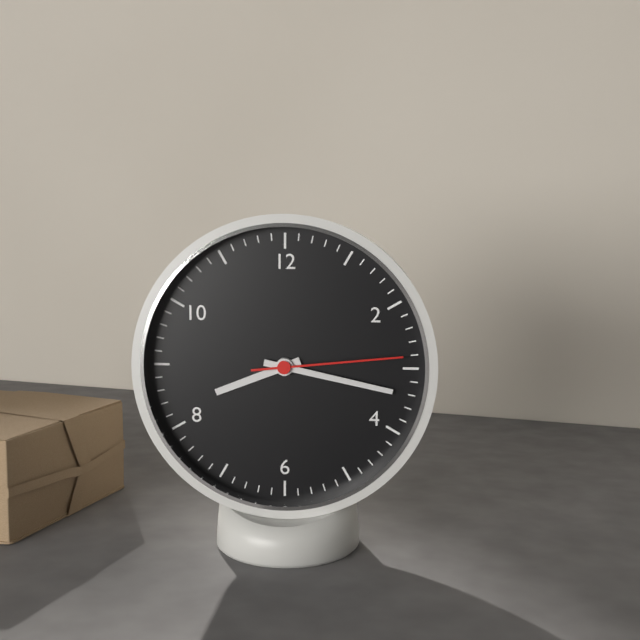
8,17,14
